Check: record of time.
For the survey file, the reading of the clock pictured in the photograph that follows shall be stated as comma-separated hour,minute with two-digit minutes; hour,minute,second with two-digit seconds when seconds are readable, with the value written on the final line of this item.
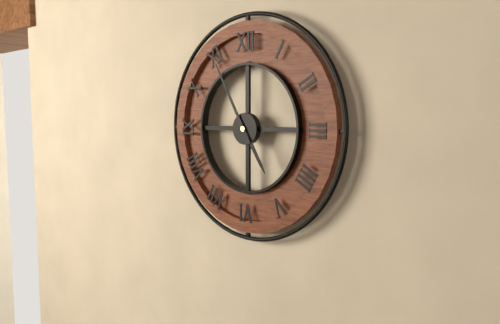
4,55
